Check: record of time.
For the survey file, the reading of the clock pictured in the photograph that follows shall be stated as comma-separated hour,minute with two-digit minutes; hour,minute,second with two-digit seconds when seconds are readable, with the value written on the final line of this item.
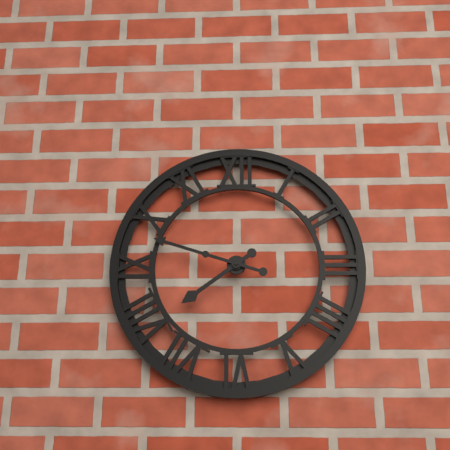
7,48
